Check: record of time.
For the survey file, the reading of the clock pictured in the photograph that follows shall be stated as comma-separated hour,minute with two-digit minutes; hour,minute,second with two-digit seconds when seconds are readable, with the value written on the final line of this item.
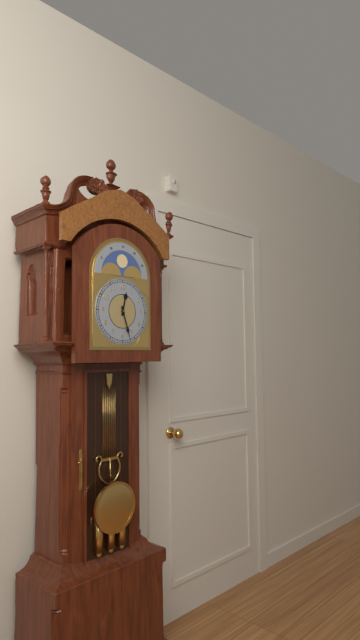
12,27
